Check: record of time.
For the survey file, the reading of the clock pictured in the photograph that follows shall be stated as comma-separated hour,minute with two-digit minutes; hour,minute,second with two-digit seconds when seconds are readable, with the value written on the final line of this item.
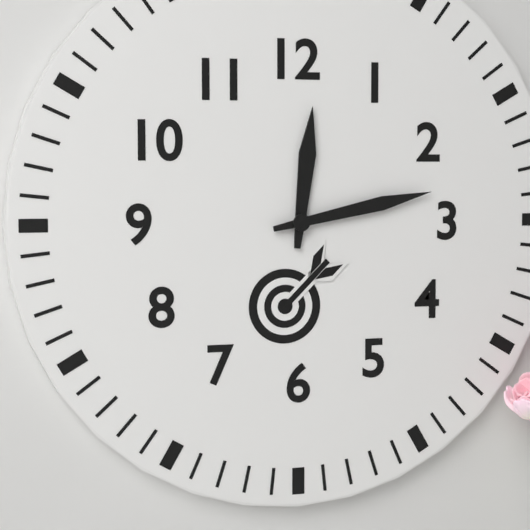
12,13
